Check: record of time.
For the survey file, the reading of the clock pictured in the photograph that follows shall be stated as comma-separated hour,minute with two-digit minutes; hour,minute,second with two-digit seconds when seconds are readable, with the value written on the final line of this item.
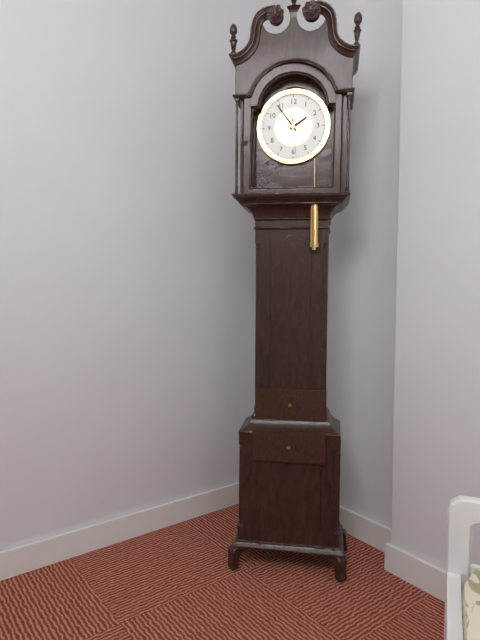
1,54
